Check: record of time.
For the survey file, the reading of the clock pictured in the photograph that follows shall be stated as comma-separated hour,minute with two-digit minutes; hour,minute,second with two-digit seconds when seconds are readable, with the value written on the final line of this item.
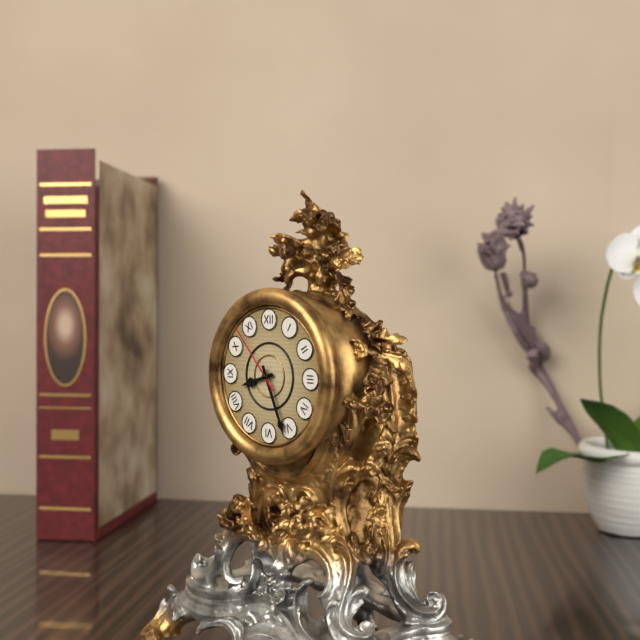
8,26,53
